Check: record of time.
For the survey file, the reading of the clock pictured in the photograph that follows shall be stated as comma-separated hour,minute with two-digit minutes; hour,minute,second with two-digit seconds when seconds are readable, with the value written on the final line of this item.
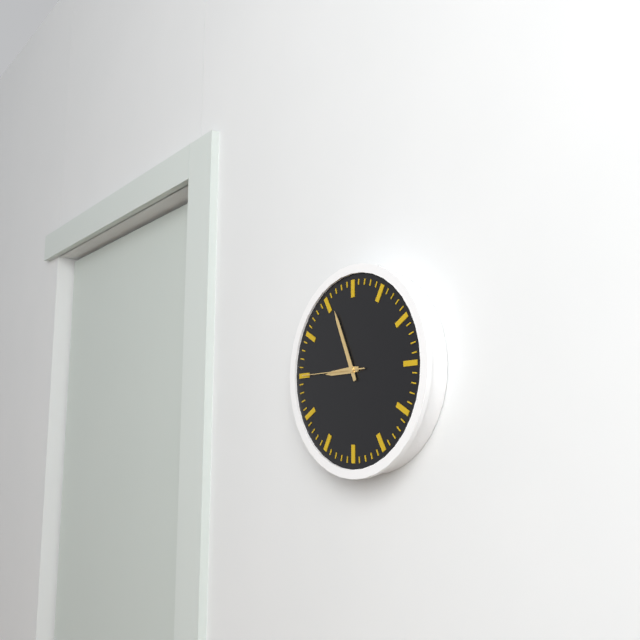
8,56,45
